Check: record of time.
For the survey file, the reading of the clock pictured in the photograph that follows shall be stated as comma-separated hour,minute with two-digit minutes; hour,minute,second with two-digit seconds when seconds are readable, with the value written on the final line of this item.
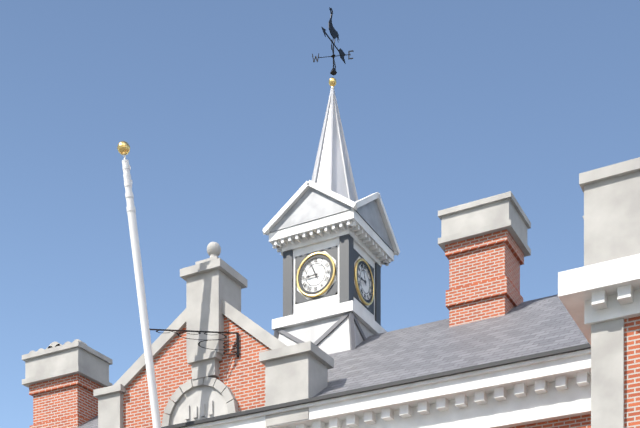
8,56
